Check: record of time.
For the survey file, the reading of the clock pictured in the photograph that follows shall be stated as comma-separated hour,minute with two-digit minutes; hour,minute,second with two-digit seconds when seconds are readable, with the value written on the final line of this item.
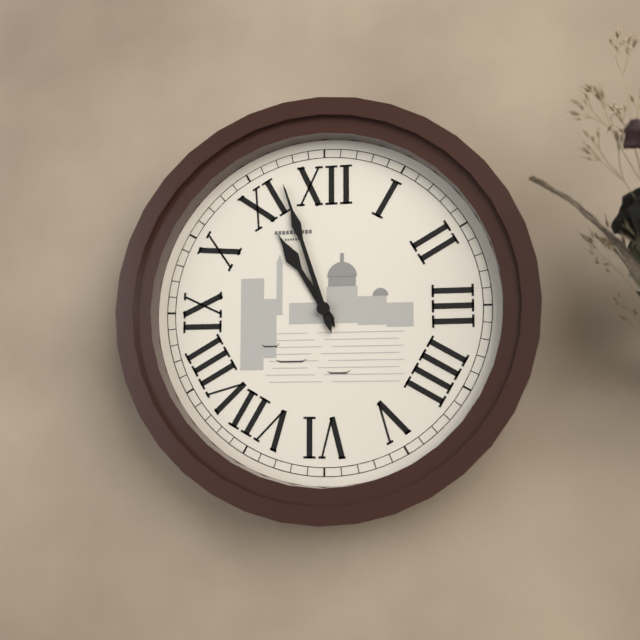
10,57
